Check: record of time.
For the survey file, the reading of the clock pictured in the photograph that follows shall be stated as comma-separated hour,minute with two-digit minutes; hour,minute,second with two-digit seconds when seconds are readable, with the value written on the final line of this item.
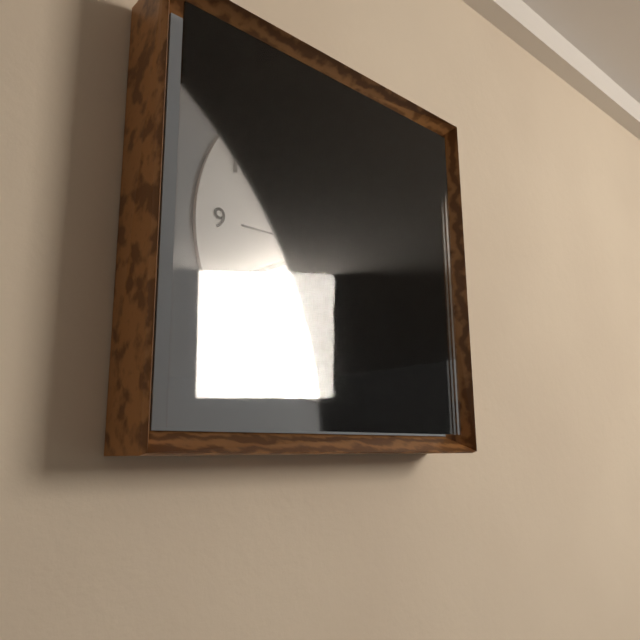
2,41,07
